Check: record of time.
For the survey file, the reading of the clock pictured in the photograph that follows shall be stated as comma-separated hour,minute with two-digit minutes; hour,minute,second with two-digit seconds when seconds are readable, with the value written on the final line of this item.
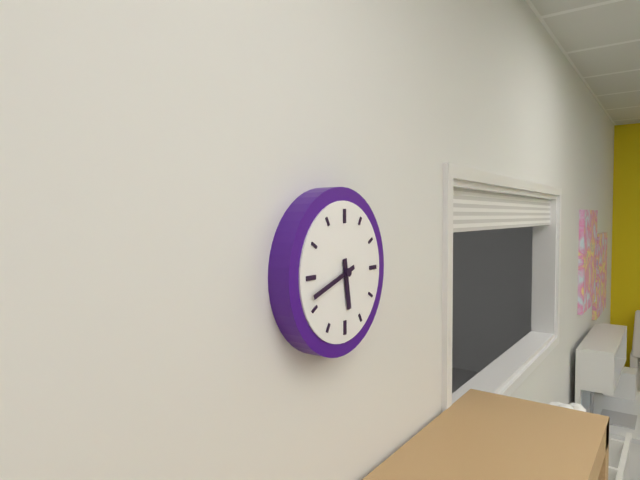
5,42
